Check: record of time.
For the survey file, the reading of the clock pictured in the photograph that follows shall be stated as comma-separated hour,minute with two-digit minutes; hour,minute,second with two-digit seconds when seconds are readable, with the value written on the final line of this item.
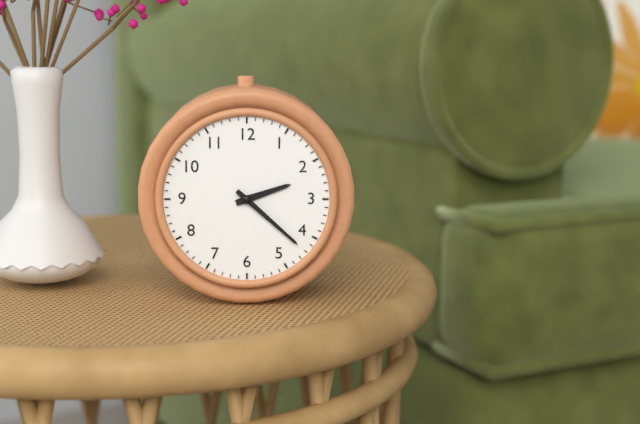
2,22
